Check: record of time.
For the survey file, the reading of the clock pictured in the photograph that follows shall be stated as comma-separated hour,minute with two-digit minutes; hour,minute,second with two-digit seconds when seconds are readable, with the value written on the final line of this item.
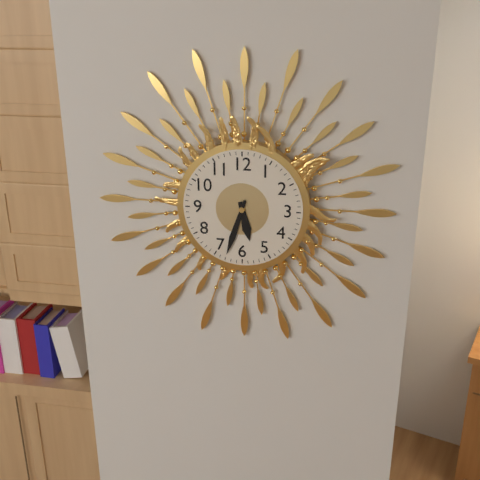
5,33
